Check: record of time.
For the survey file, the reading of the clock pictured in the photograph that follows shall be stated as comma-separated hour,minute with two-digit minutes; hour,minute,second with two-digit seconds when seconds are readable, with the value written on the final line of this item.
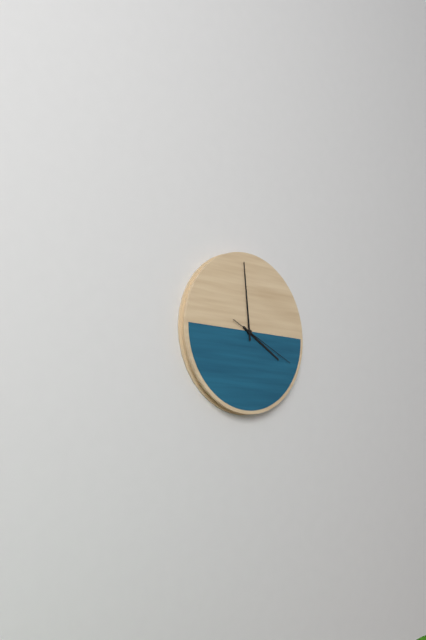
3,59,19
